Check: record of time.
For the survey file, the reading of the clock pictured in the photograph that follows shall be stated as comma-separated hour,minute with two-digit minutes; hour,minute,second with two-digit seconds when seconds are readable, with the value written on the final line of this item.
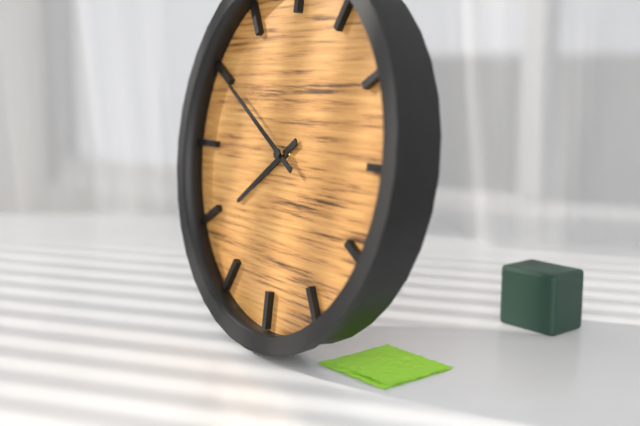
7,50
